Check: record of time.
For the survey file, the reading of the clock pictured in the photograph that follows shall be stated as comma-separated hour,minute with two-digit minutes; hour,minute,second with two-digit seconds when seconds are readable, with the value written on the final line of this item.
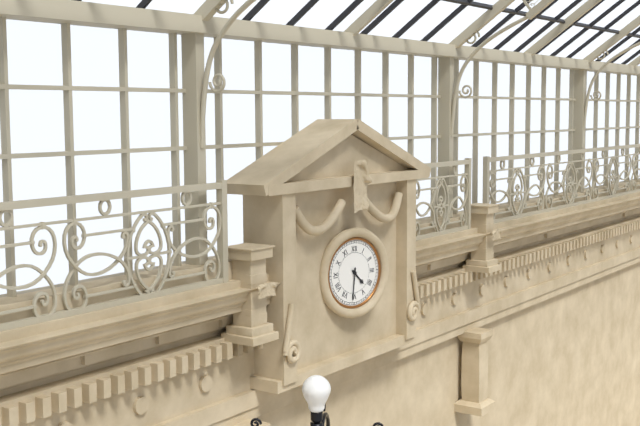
4,31
